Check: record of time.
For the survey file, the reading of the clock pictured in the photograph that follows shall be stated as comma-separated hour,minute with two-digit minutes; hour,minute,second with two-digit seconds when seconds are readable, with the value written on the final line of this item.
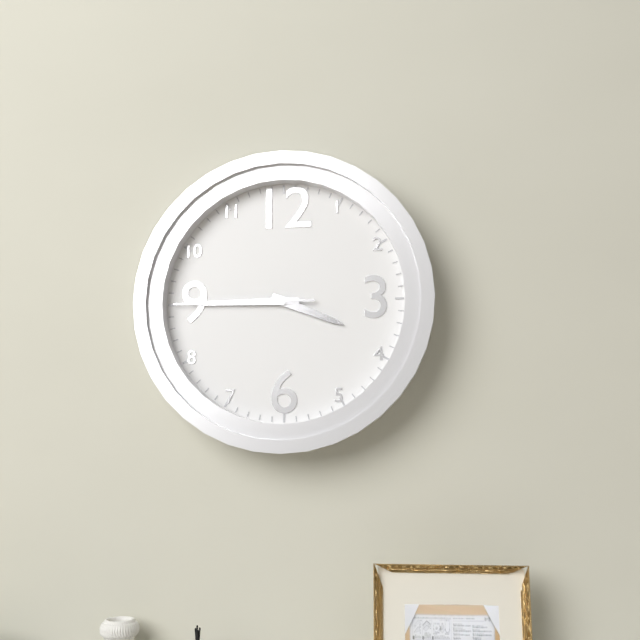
3,45,45
